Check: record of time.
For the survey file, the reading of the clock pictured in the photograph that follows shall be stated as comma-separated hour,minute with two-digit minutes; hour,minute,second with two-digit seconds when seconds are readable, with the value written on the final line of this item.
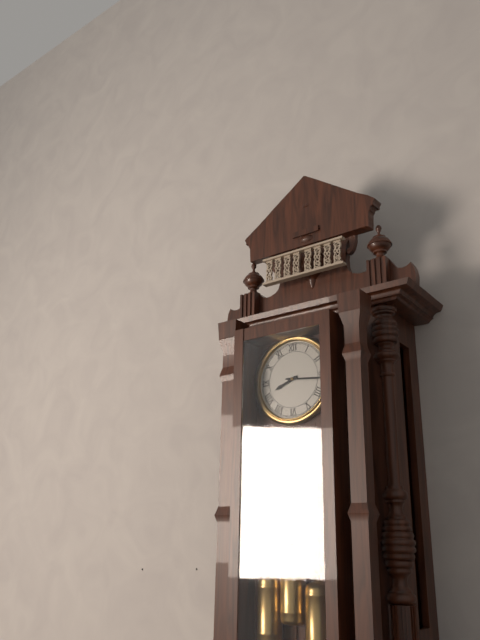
8,16
